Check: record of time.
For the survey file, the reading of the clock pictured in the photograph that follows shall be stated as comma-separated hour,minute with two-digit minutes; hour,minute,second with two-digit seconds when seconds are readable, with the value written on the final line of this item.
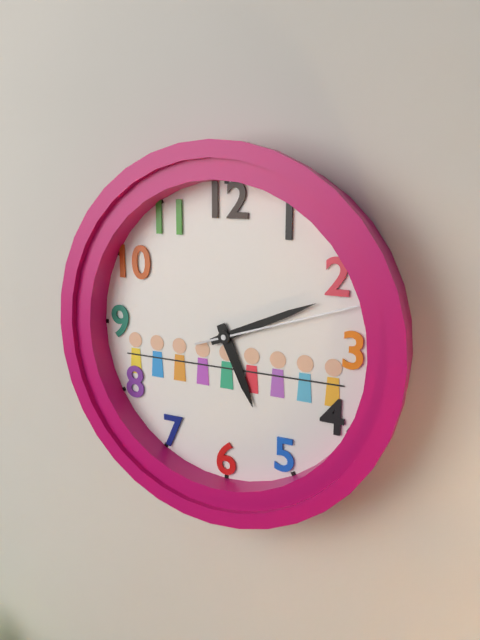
5,11,12
